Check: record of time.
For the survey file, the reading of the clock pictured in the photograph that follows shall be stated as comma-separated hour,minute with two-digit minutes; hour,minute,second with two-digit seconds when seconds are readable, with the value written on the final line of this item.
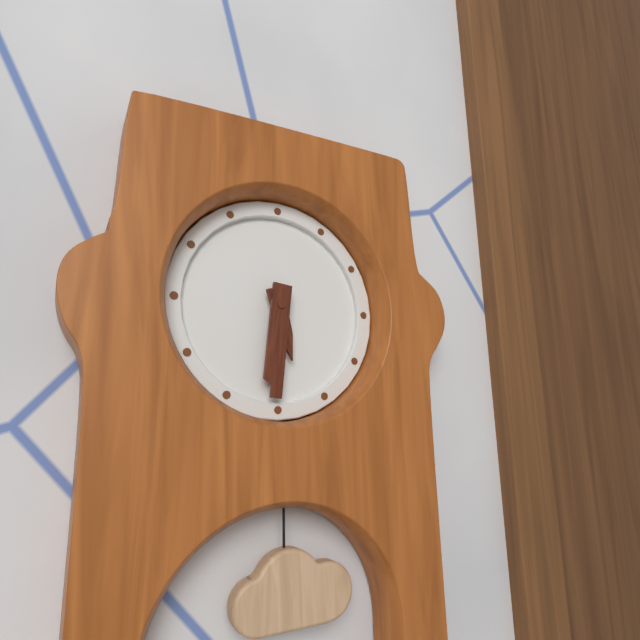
5,31
